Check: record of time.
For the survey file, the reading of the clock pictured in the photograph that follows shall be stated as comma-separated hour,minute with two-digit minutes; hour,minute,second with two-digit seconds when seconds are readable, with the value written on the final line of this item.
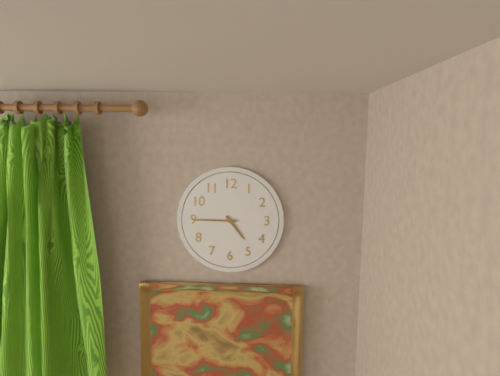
4,45
